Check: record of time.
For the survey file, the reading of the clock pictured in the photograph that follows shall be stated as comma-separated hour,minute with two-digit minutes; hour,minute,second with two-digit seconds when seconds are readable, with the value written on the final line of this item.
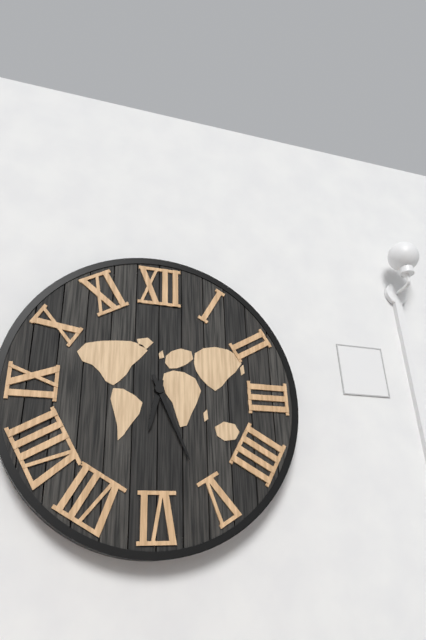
6,26
